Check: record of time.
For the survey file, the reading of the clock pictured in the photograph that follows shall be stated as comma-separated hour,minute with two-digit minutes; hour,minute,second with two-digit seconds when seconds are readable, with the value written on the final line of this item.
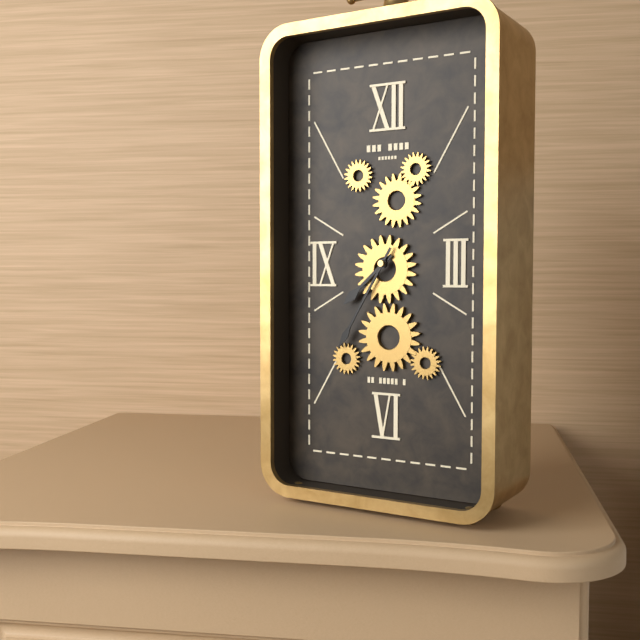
7,35
